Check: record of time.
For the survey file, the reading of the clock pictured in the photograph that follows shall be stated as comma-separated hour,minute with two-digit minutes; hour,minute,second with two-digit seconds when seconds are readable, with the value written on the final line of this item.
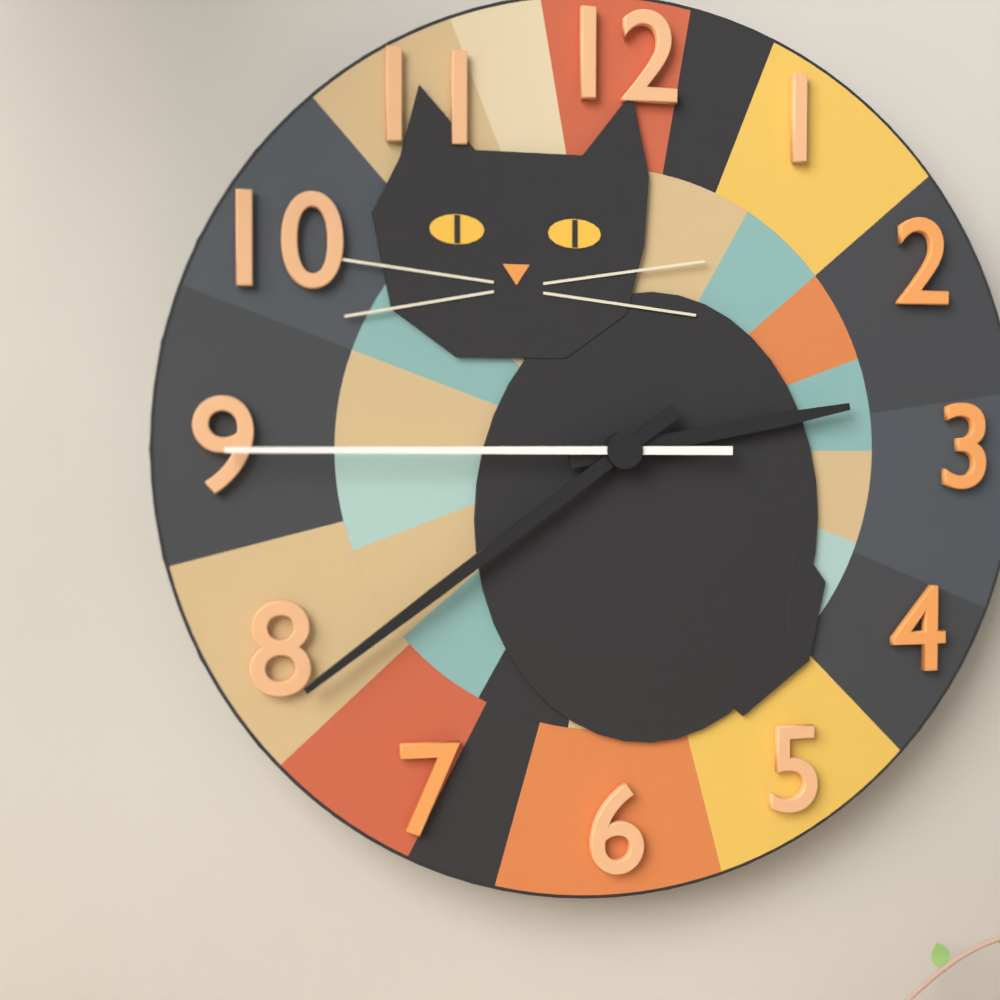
2,39,45
